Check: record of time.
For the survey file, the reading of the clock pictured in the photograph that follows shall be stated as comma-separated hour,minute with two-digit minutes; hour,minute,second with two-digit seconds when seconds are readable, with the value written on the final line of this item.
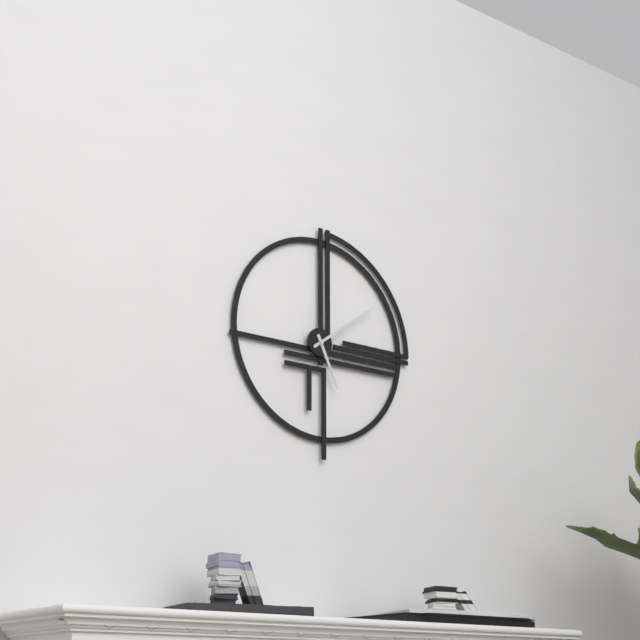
5,09
